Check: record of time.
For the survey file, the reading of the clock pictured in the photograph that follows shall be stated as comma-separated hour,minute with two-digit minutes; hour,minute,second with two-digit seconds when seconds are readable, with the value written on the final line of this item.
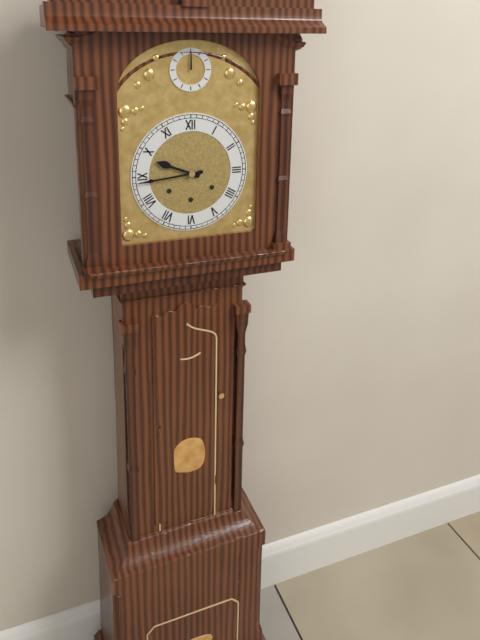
9,44
